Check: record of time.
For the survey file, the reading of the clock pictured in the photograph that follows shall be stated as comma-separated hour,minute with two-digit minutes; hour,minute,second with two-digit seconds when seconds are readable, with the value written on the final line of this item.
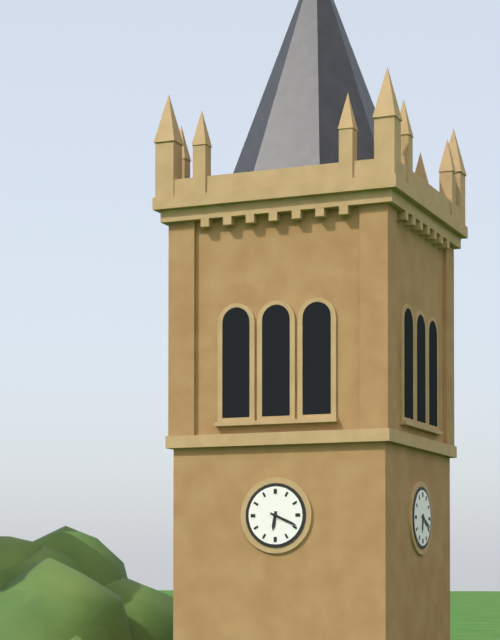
6,19
